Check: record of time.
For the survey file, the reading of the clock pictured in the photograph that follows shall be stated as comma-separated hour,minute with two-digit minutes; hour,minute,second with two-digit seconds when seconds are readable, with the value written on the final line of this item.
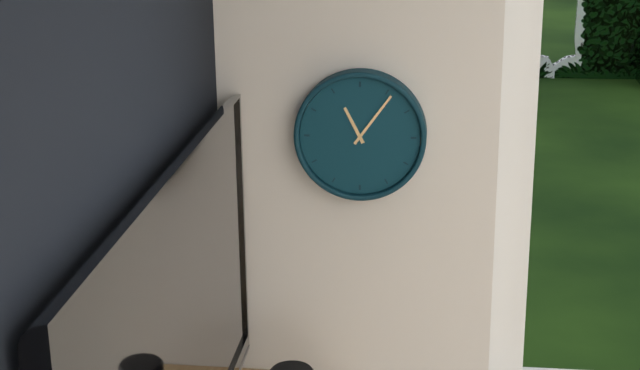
11,06
